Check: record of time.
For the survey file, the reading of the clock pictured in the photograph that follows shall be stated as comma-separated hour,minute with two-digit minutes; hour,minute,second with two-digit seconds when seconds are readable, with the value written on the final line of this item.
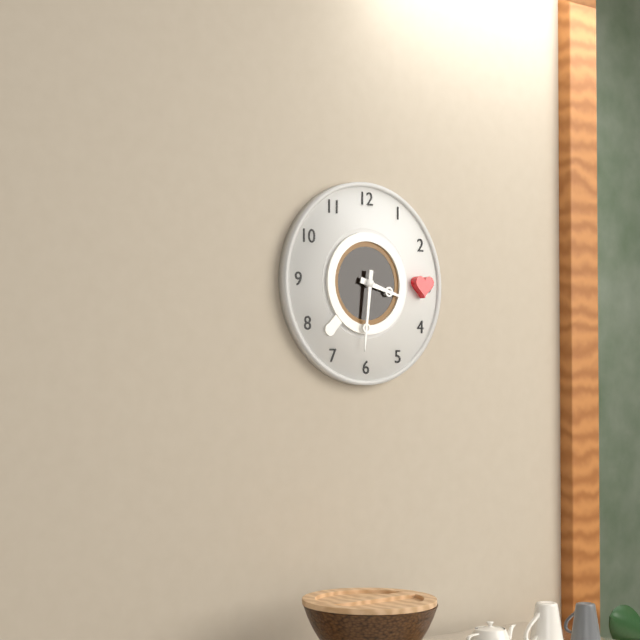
3,31
